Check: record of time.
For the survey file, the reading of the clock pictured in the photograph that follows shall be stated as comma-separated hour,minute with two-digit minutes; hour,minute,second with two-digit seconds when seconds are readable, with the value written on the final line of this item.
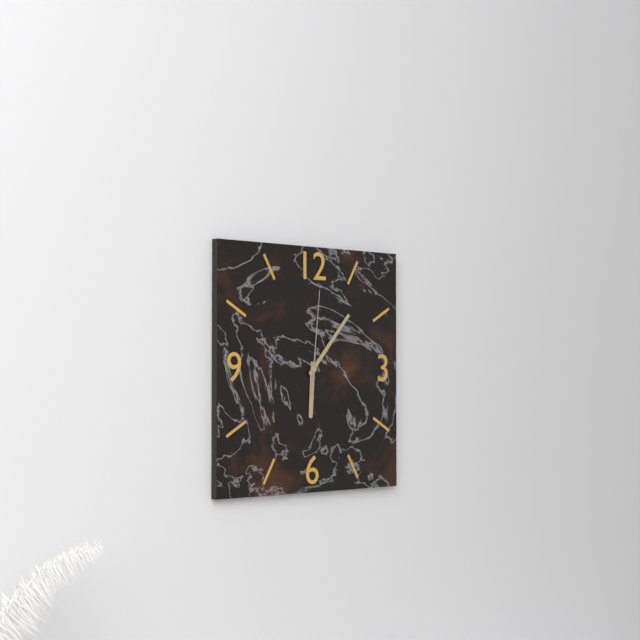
6,07,01
